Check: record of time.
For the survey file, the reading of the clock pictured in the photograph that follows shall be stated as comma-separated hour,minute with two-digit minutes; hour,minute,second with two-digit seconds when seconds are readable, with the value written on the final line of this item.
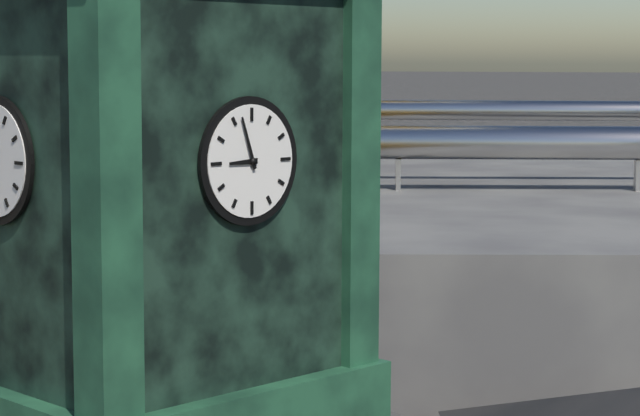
8,57
